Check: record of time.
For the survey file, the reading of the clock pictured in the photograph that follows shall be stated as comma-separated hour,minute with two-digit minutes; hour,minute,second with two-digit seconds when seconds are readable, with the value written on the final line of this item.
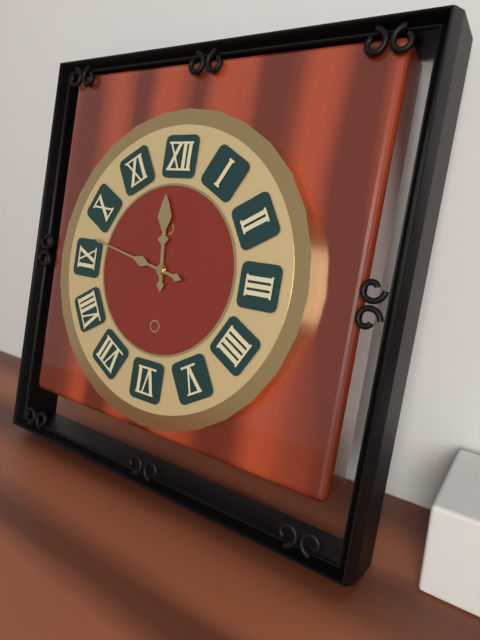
11,47
